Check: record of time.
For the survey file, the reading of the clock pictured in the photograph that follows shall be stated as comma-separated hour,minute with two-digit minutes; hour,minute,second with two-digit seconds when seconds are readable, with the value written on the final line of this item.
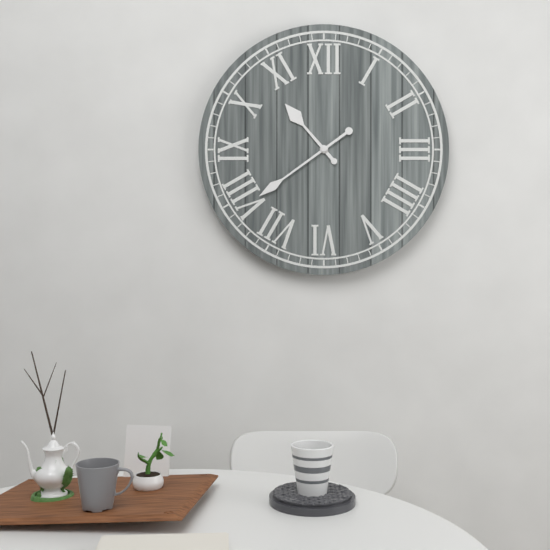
10,39
